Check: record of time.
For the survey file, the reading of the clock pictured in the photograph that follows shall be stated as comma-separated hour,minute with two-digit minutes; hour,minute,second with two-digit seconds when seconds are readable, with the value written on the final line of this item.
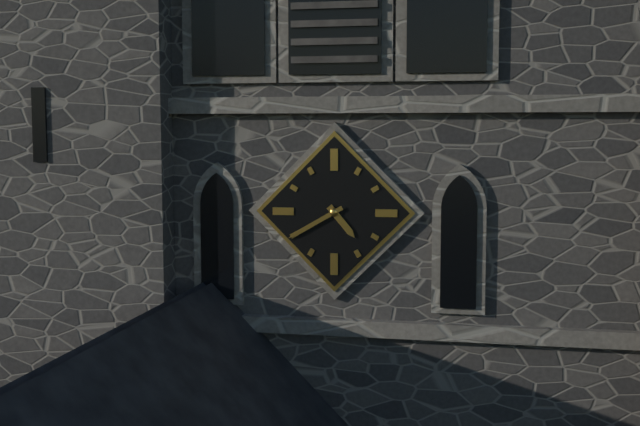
4,40
